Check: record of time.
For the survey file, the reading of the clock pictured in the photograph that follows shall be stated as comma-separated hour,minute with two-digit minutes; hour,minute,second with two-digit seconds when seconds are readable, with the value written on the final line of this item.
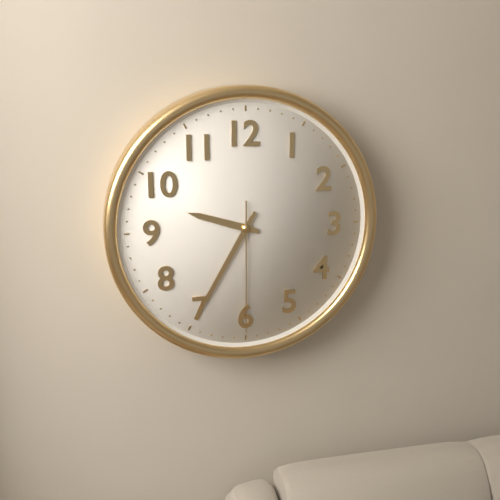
9,35,30
